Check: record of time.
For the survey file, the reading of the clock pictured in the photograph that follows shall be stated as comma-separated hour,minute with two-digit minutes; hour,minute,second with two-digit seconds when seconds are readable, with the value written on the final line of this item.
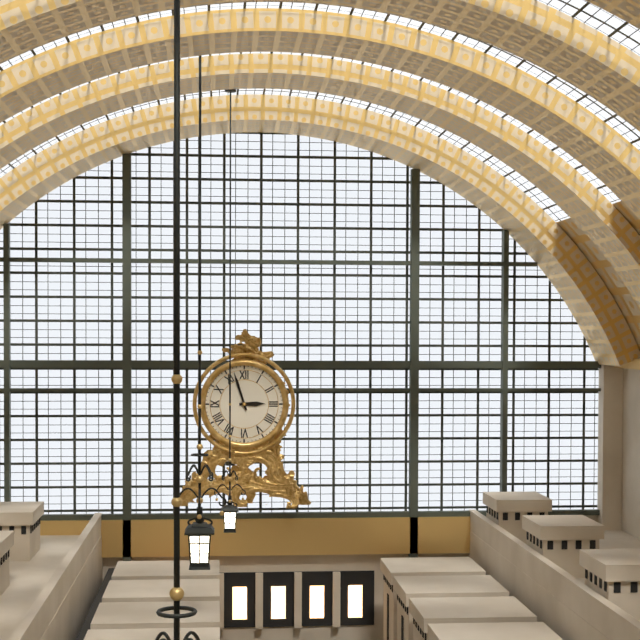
2,57
